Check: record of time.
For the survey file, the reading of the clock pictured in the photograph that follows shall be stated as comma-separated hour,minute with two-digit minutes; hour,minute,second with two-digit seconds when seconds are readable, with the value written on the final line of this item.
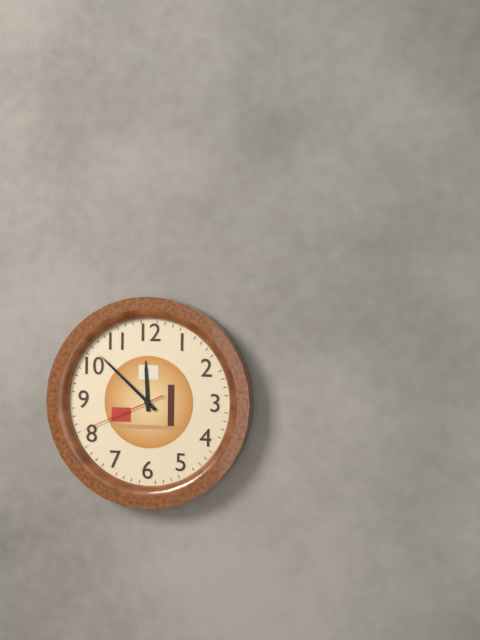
11,52,41
